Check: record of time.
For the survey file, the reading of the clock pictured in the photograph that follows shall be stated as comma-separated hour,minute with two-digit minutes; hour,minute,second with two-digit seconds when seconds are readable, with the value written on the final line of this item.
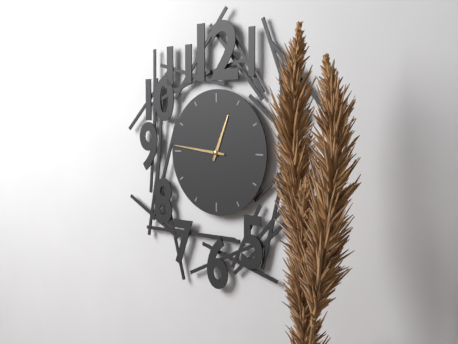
12,46
